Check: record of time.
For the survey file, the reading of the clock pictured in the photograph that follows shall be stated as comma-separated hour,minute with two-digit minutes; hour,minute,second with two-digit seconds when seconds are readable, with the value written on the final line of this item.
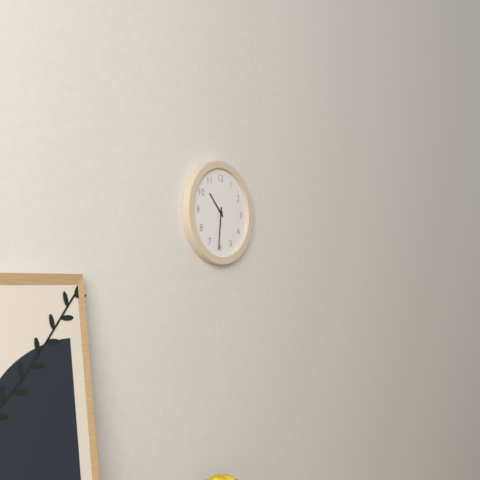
10,31
